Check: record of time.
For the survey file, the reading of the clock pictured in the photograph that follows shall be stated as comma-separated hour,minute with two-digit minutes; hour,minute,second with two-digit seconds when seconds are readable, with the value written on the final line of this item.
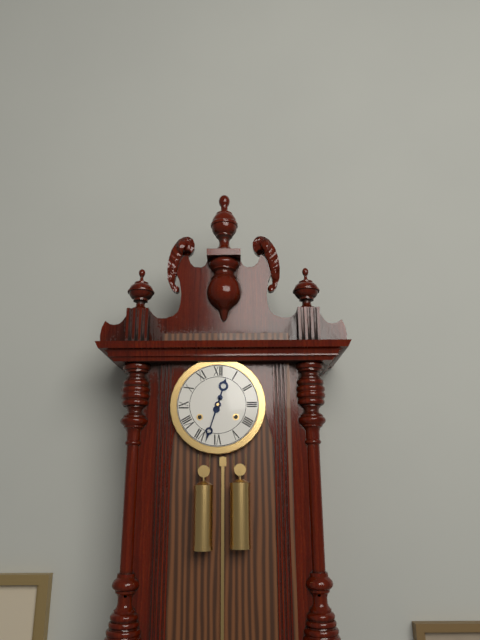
12,33
